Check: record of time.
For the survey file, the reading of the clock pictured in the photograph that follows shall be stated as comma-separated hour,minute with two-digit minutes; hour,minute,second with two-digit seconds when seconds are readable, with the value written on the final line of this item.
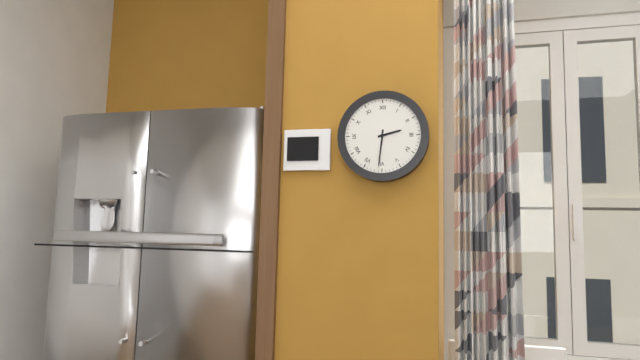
2,31
